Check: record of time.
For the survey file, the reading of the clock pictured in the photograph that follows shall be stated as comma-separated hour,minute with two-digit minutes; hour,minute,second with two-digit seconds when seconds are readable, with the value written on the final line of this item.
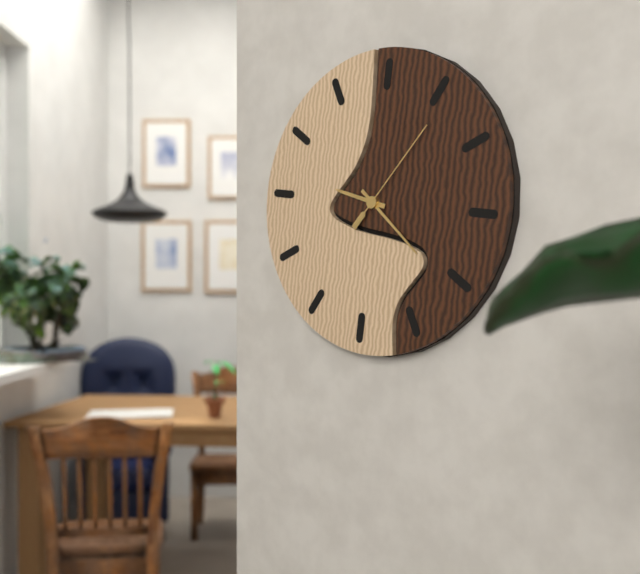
9,21,06
